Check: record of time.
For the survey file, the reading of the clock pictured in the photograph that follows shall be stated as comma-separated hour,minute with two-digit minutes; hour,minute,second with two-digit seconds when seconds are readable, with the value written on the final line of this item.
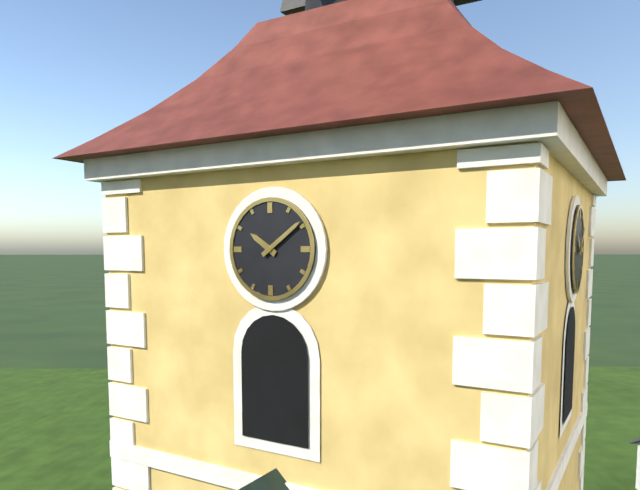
10,09
